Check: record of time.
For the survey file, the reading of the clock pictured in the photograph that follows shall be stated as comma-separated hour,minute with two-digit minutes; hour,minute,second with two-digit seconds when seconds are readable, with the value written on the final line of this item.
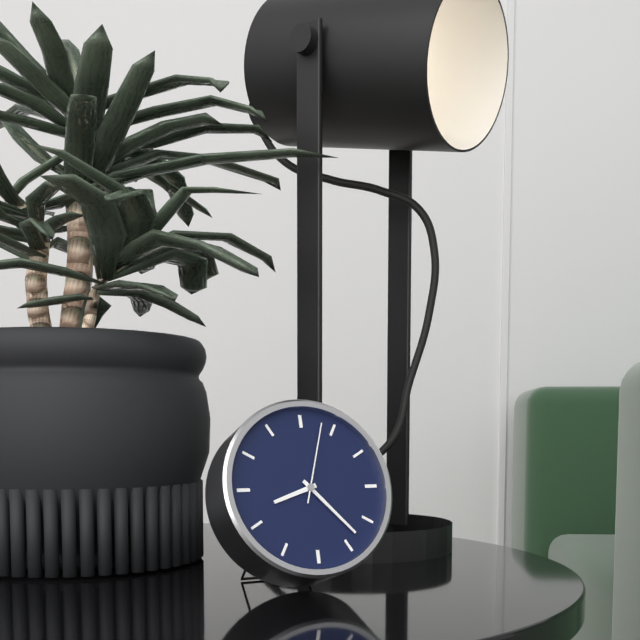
8,23,03
